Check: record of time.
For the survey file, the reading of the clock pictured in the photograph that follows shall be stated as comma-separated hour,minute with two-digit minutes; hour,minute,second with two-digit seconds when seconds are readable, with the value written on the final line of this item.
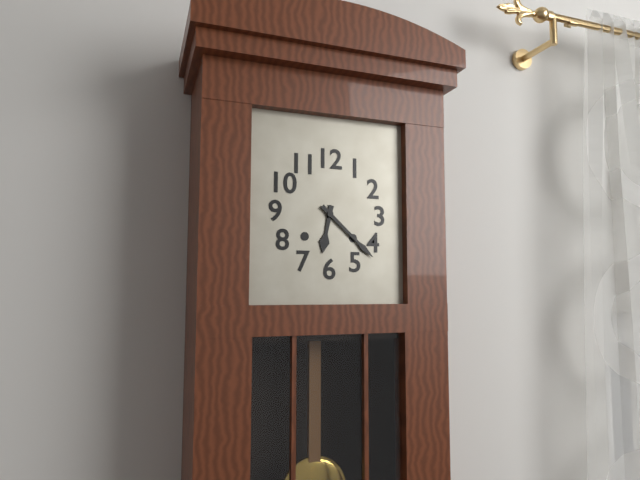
6,22
